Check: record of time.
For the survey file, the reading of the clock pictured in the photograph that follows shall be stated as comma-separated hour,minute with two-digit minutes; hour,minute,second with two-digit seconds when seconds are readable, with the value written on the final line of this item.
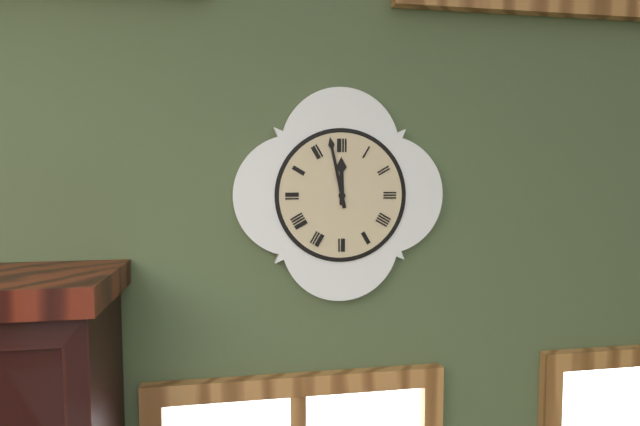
11,58
